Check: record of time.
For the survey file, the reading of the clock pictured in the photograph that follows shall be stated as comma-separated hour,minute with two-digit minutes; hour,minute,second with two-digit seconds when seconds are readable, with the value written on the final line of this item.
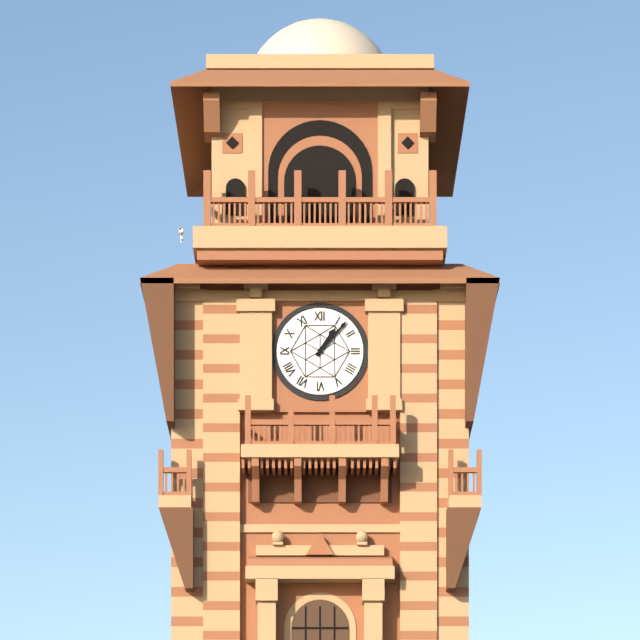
1,07
